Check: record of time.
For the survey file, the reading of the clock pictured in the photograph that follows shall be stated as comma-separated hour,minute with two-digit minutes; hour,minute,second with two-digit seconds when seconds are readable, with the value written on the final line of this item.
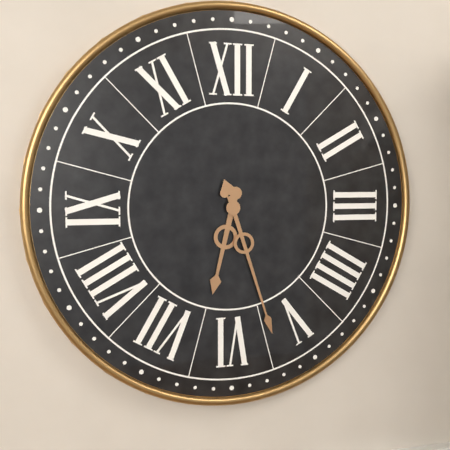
6,27
